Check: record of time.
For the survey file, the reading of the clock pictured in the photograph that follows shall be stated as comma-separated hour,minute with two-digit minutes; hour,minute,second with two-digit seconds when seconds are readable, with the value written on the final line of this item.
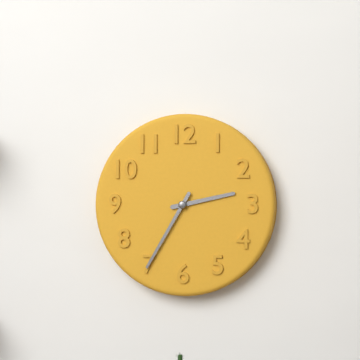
2,35
